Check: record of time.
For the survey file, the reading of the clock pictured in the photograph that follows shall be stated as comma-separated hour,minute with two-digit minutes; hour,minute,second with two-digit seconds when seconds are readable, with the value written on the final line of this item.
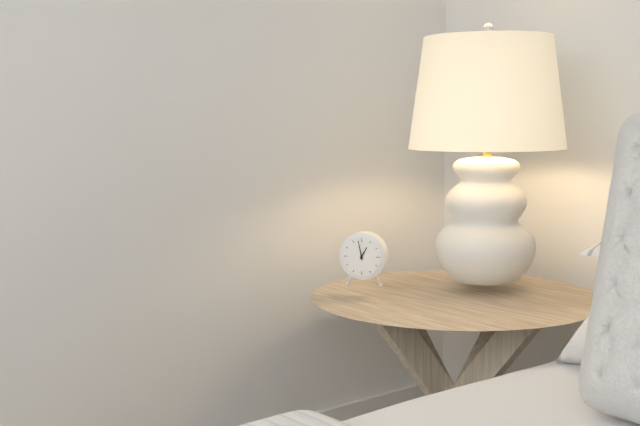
12,58
